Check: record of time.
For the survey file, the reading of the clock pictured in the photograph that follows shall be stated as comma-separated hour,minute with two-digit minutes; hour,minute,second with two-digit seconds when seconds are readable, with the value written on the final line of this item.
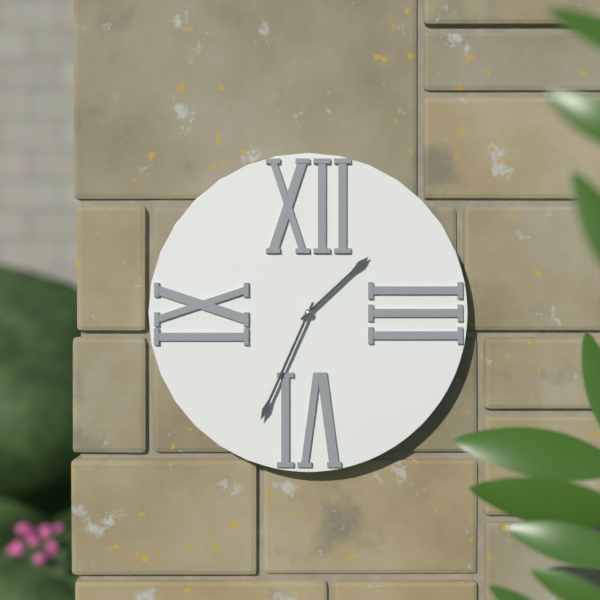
1,34
